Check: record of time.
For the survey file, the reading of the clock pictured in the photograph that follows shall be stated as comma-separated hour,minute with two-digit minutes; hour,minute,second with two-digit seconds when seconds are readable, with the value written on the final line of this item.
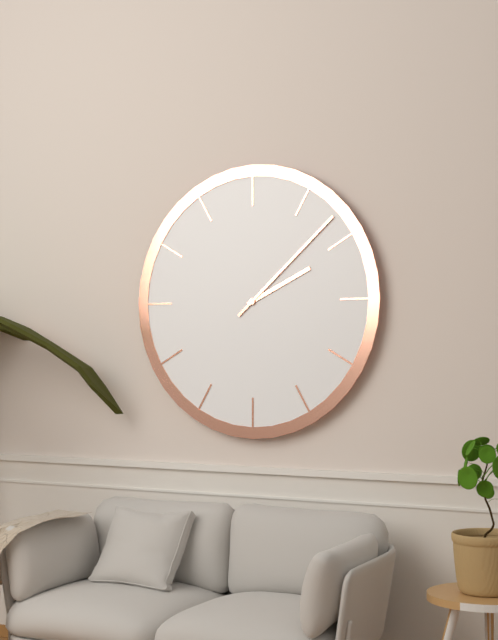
2,08
